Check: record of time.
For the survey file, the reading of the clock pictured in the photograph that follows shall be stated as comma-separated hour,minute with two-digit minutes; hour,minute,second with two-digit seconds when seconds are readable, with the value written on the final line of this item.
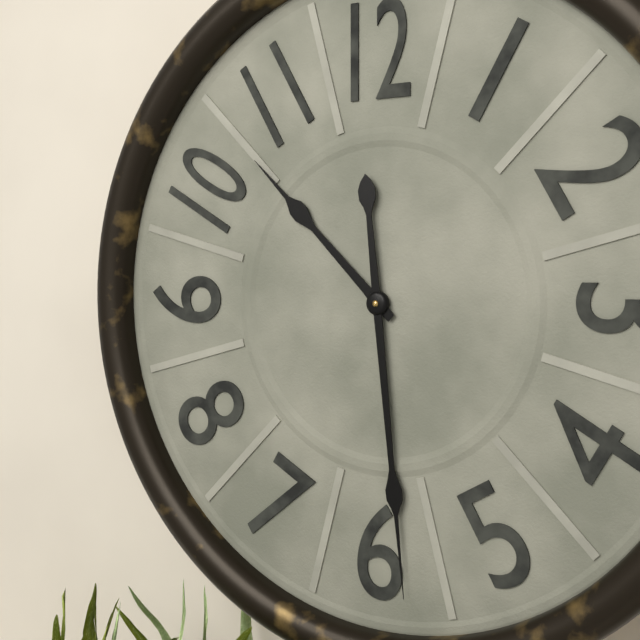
10,29
